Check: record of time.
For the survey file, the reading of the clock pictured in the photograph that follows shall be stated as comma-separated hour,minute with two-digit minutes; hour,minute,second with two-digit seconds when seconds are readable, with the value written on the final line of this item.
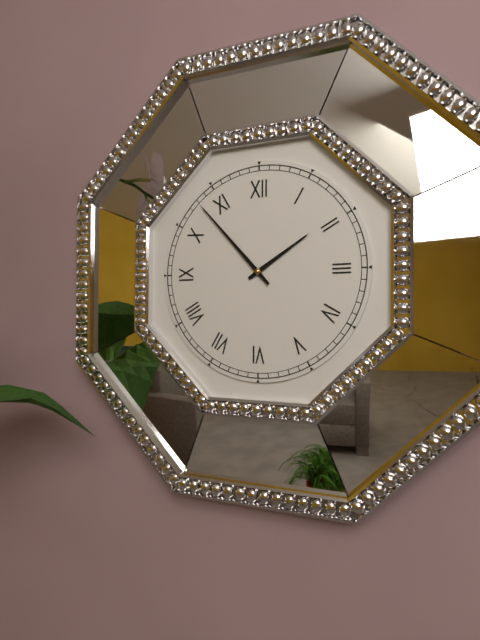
1,53
